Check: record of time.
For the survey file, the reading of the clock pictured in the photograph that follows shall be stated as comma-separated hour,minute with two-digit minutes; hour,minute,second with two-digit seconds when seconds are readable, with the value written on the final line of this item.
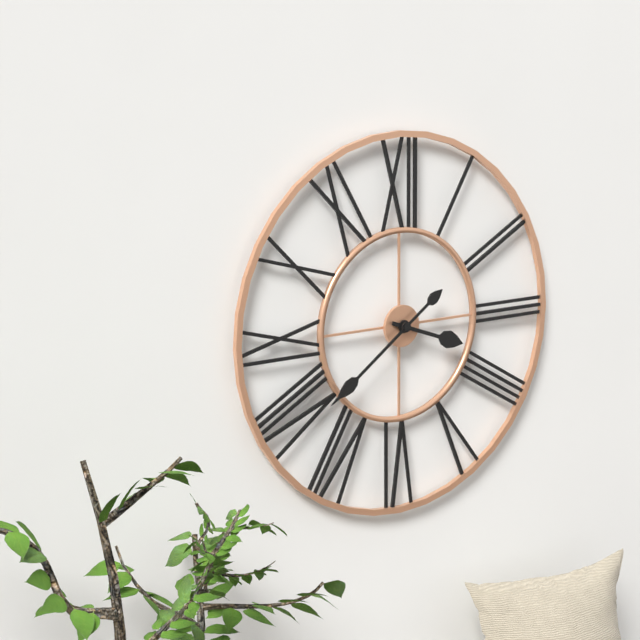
3,39
